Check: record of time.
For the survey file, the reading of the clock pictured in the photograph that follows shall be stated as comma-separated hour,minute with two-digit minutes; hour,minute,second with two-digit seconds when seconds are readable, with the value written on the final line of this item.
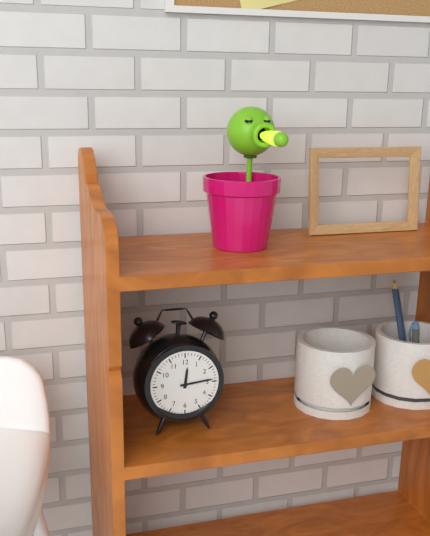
12,14
